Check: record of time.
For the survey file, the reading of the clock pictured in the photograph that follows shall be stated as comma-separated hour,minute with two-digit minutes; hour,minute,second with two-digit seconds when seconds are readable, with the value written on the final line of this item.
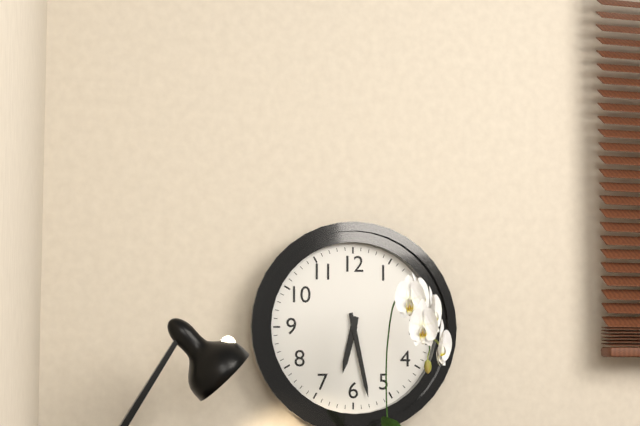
6,28
